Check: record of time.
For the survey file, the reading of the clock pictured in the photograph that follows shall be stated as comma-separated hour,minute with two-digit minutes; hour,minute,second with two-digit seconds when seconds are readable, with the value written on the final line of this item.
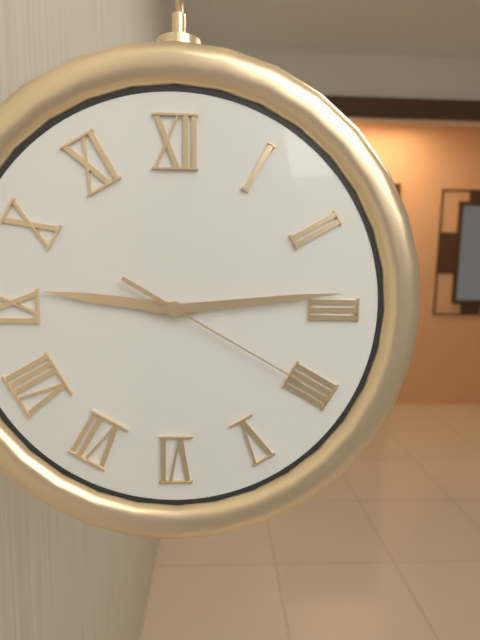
9,14,20
